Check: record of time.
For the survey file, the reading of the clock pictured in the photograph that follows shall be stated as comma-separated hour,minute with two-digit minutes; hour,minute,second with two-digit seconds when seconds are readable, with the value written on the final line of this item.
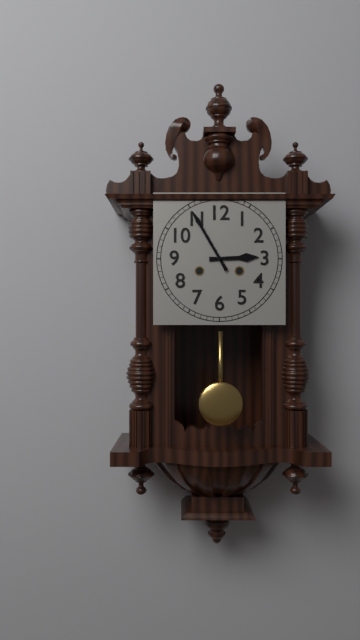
2,55
